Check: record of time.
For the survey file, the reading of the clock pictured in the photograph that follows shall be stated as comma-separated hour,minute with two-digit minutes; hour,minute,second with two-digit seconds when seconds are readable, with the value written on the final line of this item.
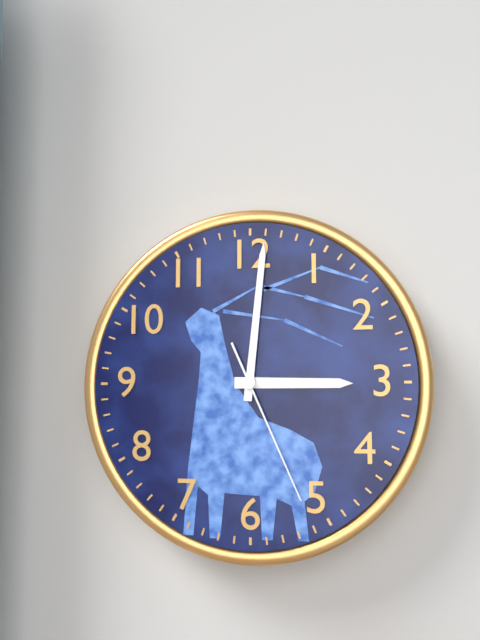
3,01,26
